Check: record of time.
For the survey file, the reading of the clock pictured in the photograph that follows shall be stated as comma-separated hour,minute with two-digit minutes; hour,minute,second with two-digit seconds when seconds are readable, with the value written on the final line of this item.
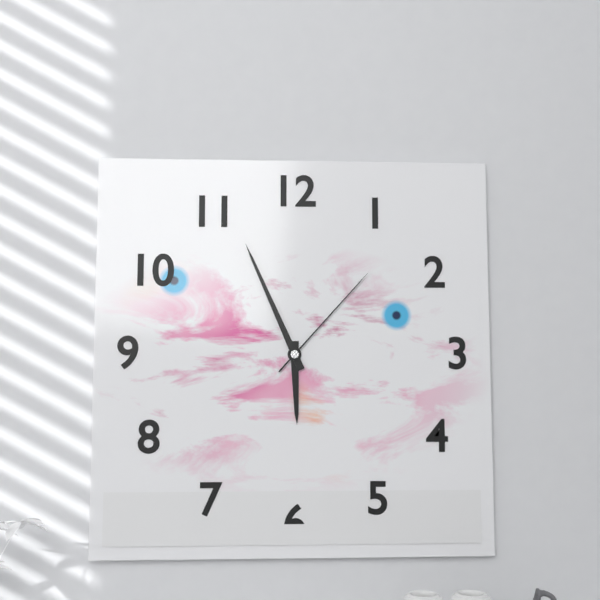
5,56,07
